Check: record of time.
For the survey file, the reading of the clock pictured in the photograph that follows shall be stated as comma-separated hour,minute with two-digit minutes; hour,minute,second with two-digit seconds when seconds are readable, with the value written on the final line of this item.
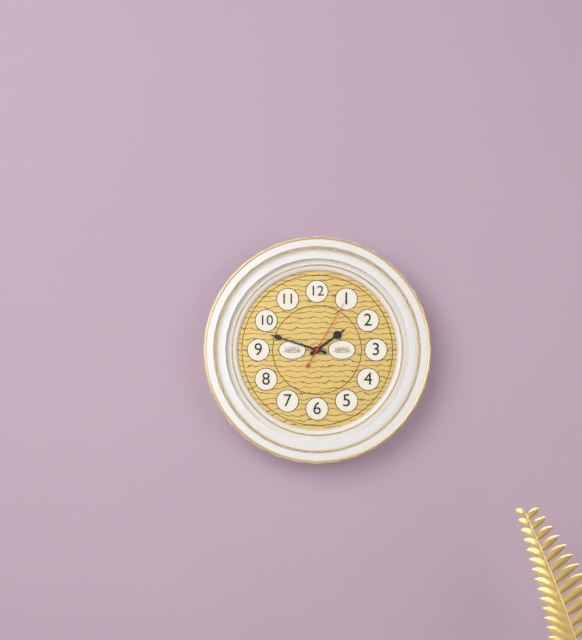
1,48,05
